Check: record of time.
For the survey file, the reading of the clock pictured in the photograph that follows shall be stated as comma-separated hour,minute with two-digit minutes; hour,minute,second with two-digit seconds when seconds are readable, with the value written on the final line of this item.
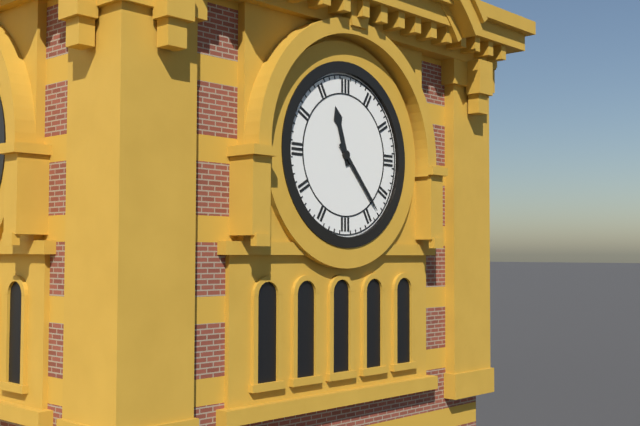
11,23
